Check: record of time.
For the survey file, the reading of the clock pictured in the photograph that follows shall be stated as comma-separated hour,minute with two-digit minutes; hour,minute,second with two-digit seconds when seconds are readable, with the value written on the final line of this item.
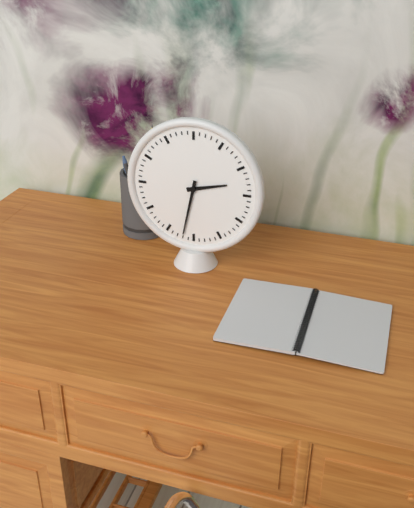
2,32
